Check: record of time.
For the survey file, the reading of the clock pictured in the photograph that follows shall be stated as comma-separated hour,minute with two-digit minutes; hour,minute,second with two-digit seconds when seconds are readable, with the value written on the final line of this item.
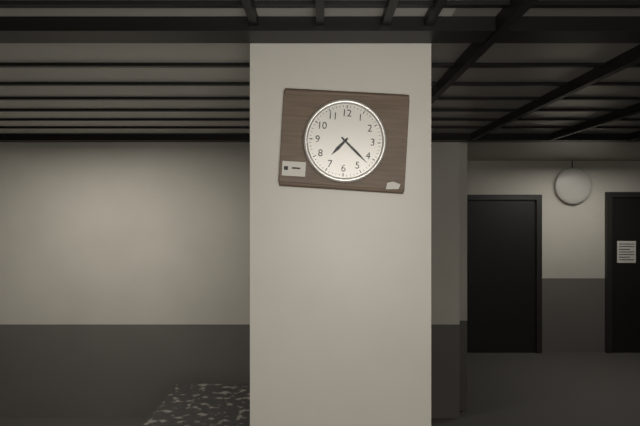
7,22
